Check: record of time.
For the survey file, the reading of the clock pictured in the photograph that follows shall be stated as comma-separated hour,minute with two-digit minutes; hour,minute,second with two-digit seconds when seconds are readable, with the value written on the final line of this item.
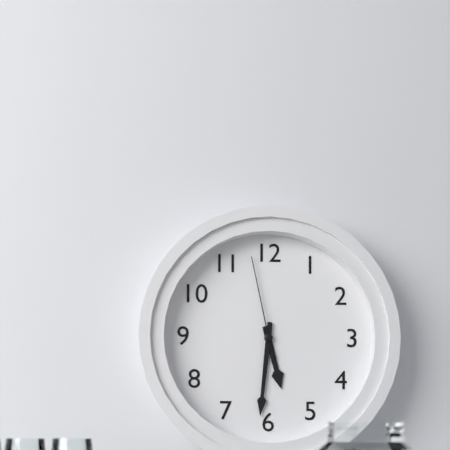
5,31,58
